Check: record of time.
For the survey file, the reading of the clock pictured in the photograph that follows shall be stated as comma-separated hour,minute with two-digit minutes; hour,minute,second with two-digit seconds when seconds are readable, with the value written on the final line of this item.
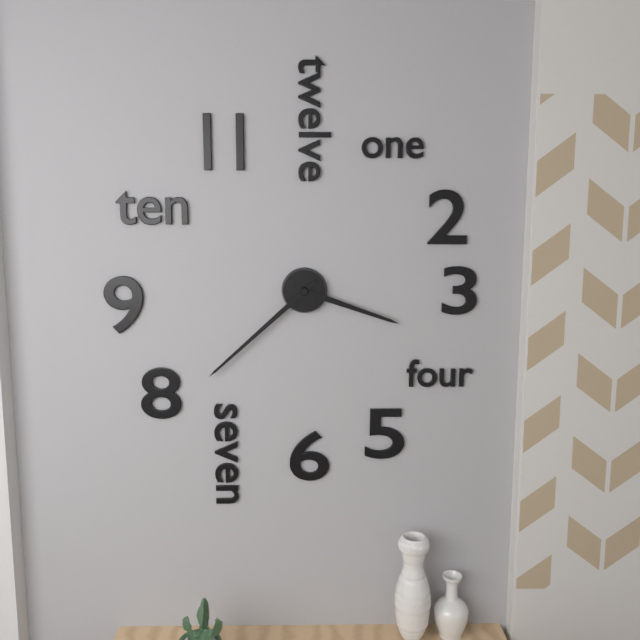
3,38
